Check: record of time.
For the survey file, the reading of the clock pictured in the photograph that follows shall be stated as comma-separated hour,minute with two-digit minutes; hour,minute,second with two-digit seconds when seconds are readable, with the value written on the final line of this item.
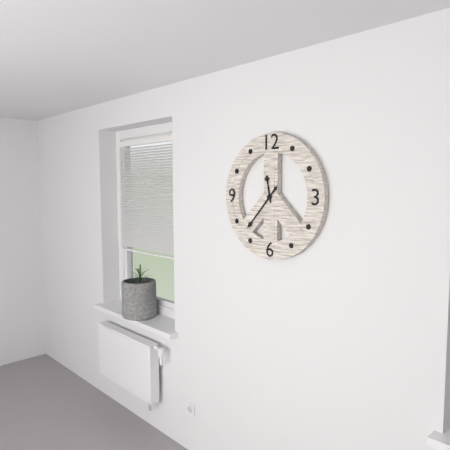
11,37
